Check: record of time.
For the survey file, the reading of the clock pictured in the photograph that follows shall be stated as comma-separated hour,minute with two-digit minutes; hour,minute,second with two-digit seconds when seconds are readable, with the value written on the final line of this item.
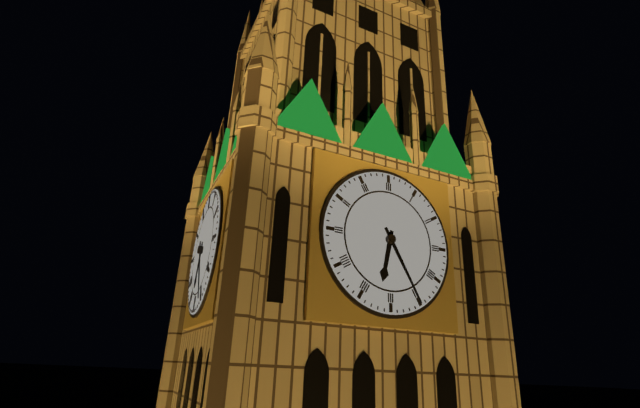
6,25
